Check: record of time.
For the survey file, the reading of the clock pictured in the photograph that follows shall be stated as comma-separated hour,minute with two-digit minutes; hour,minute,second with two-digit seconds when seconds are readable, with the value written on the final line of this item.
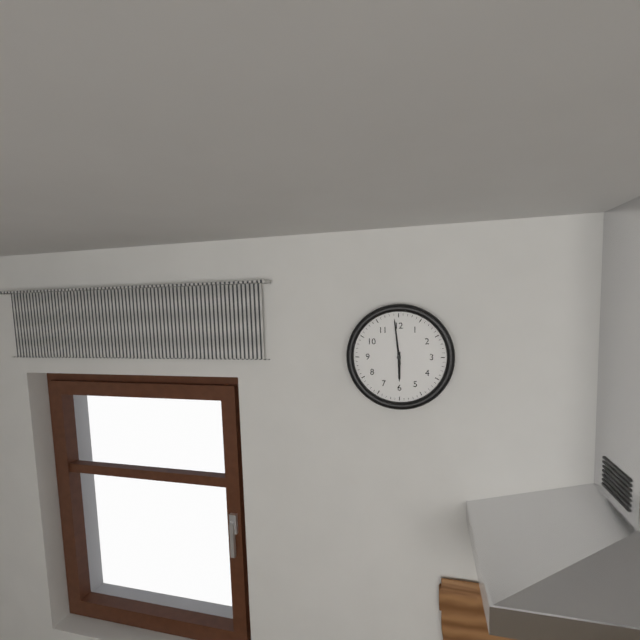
5,59
